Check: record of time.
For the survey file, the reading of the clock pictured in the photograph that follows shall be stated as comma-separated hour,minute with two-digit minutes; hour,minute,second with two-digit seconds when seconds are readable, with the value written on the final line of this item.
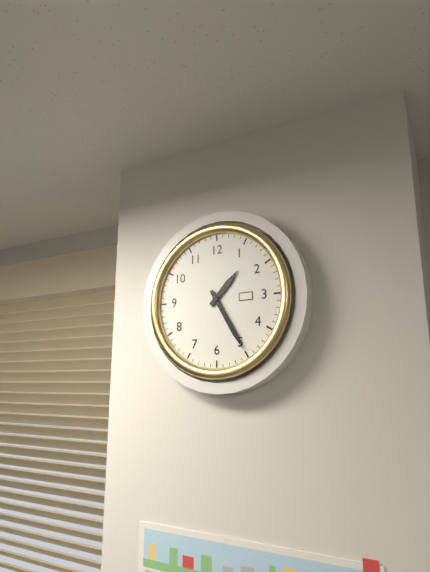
1,25
